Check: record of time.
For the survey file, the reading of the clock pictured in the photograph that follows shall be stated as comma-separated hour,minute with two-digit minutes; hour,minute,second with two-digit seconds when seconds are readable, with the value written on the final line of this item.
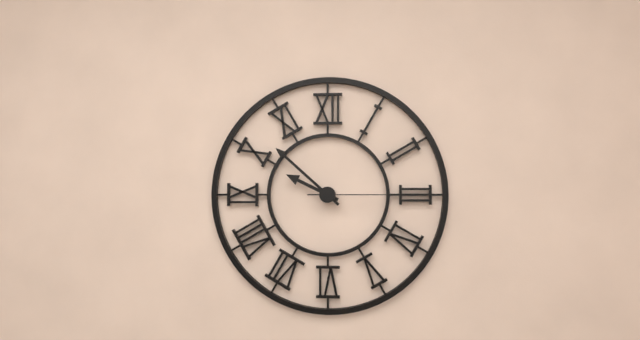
9,52,15
